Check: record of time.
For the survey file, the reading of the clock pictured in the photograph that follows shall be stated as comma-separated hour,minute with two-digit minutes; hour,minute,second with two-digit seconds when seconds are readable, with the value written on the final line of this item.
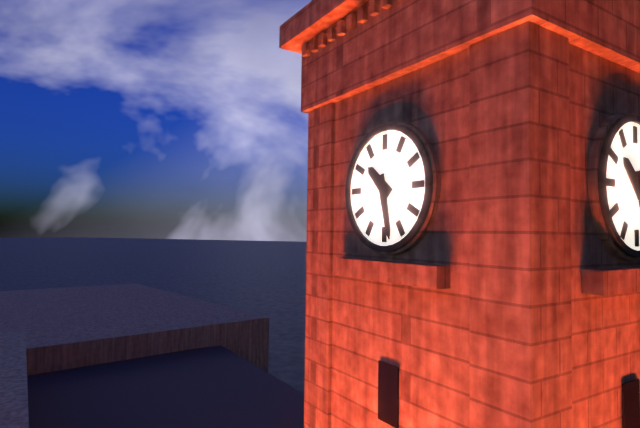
10,28
